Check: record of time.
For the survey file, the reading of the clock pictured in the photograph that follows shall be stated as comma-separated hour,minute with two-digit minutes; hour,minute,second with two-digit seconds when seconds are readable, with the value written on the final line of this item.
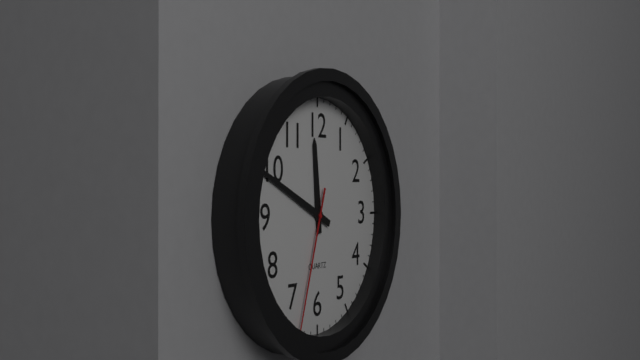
11,49,33
